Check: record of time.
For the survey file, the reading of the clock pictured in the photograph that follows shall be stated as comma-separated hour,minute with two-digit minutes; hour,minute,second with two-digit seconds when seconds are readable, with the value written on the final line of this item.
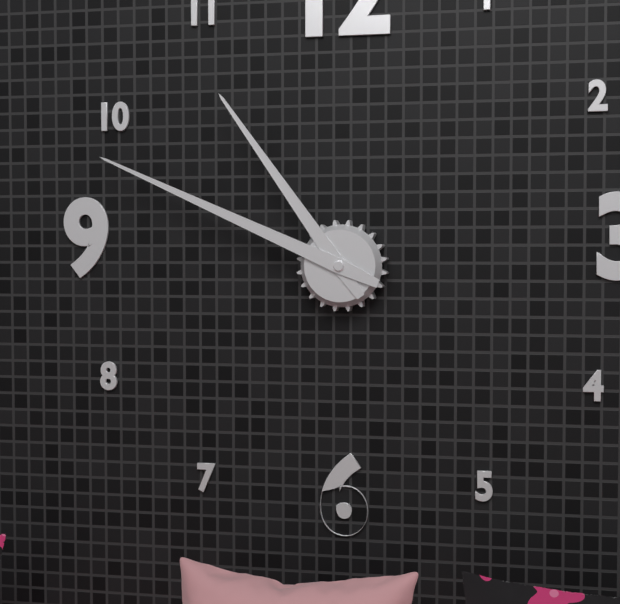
10,49
